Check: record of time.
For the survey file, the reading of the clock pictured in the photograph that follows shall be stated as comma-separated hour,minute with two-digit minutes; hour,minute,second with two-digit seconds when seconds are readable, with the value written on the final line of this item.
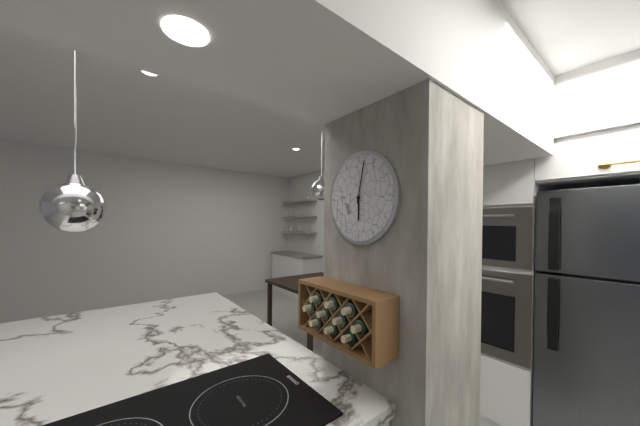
6,02
